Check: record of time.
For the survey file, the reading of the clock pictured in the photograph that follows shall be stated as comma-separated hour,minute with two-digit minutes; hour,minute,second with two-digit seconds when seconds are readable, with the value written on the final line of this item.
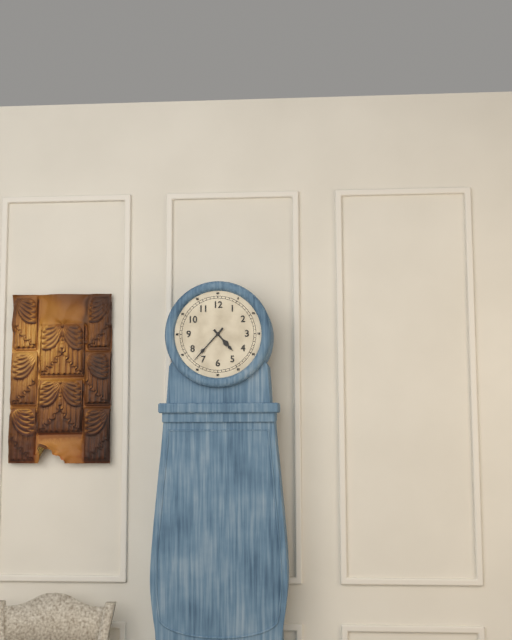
4,37
